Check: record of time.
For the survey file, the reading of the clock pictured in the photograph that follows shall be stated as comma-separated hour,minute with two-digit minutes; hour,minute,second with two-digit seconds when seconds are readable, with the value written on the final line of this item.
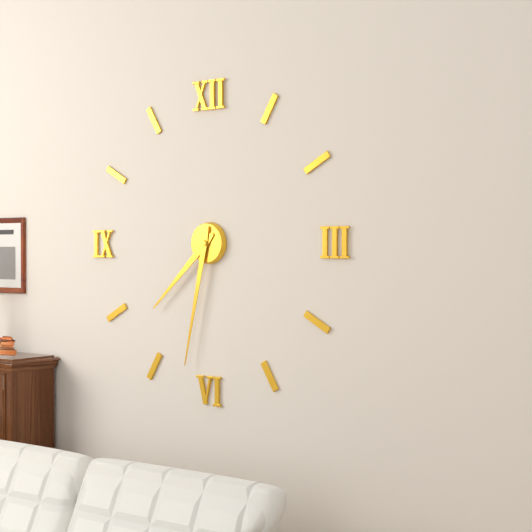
7,32
